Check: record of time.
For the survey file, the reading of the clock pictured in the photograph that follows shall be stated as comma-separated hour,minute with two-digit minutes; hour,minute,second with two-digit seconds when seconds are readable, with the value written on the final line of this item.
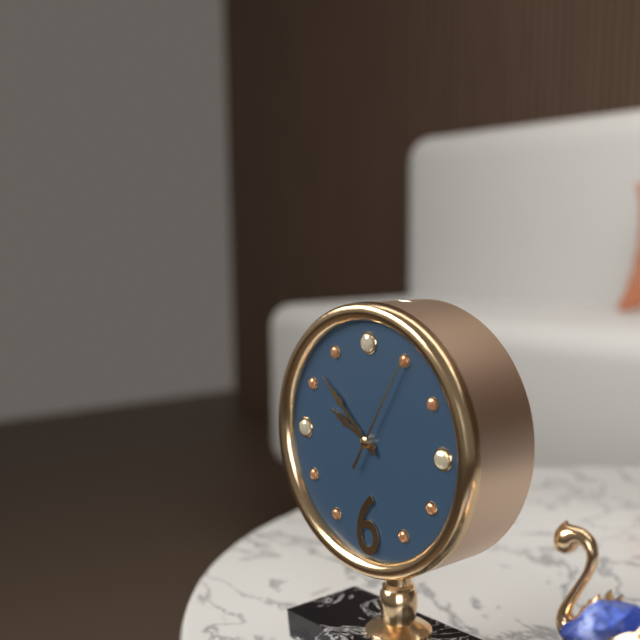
9,52,05
